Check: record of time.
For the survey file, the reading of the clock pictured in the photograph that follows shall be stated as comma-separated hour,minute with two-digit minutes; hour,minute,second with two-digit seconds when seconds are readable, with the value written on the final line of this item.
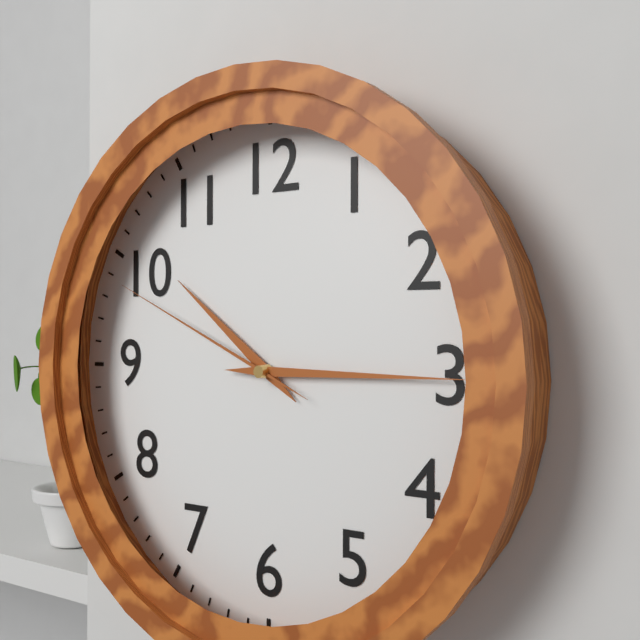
10,15,49
